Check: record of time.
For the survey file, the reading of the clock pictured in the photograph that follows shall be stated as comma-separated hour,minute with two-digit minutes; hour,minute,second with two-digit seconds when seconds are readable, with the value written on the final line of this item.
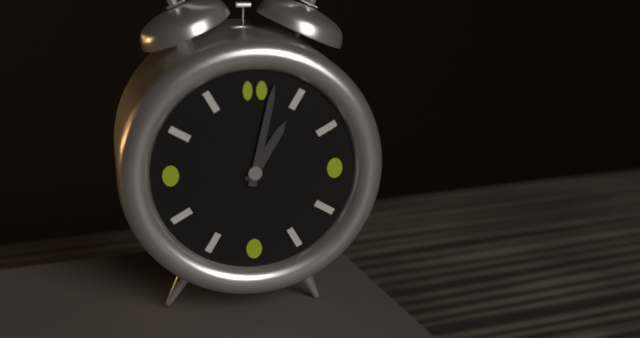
1,02
